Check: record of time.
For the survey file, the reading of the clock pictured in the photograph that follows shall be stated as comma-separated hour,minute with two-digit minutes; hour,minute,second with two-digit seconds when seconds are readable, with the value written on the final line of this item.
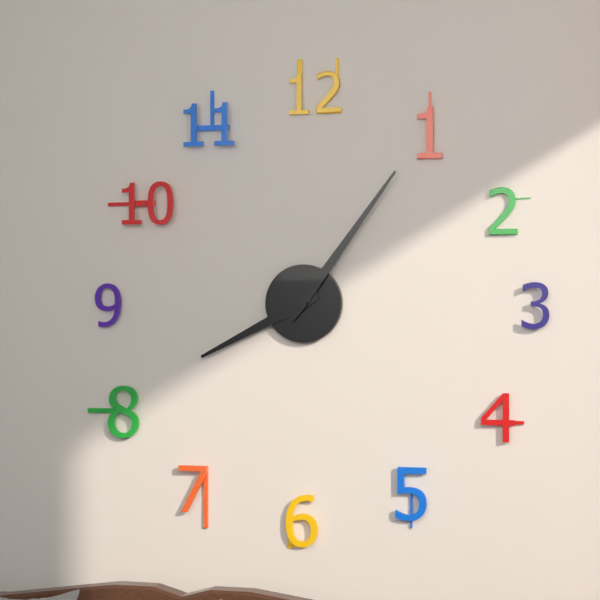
8,06
